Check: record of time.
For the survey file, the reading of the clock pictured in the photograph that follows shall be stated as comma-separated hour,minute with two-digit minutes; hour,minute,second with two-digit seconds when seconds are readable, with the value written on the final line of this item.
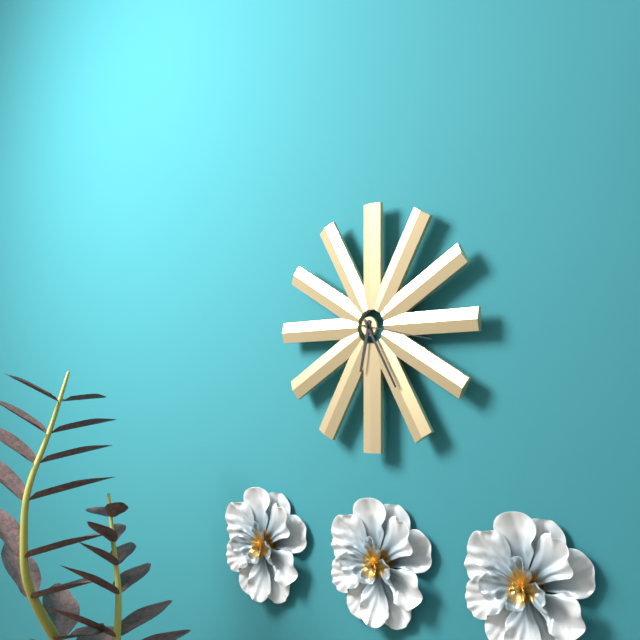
6,25,17
